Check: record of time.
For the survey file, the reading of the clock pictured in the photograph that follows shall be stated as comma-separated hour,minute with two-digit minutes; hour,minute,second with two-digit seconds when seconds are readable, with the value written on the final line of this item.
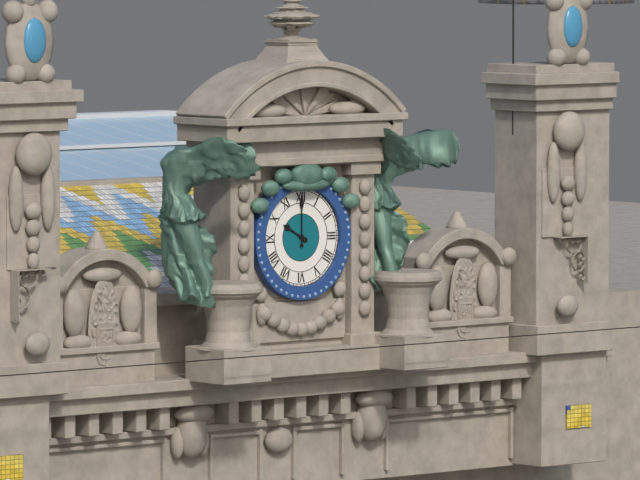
10,00
